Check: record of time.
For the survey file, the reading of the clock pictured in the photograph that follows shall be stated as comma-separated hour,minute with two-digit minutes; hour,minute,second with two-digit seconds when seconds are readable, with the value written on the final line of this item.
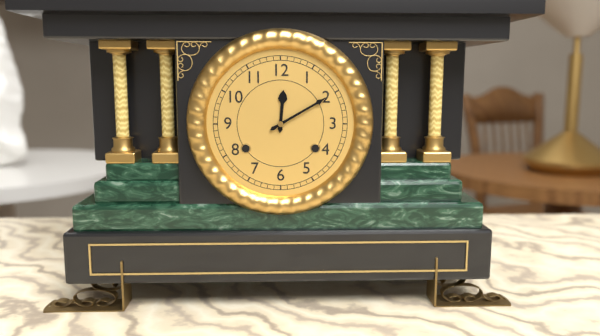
12,10
